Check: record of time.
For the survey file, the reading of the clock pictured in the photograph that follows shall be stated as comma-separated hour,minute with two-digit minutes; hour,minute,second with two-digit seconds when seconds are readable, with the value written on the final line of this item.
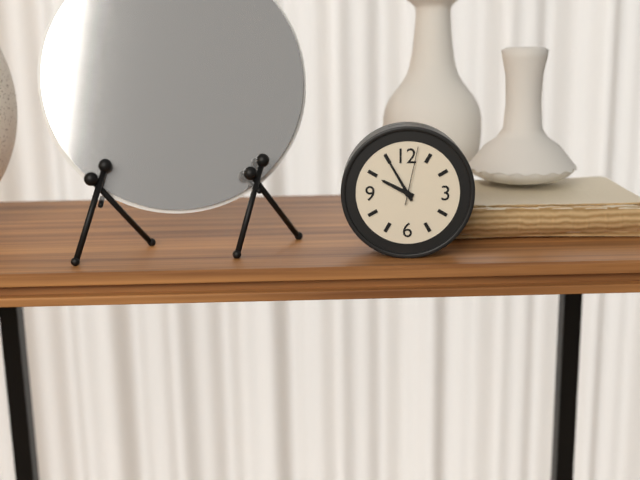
9,55,02
